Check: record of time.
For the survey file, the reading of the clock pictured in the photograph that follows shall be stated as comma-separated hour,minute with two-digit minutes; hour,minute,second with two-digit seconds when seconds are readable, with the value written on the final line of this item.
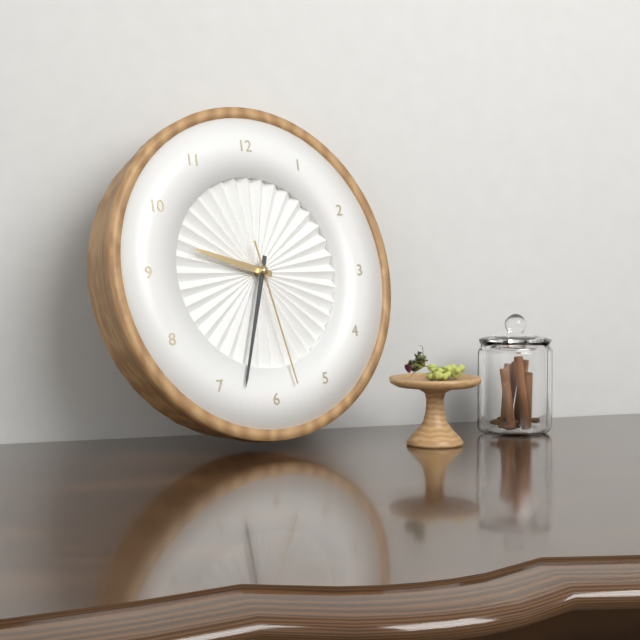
9,33,28
